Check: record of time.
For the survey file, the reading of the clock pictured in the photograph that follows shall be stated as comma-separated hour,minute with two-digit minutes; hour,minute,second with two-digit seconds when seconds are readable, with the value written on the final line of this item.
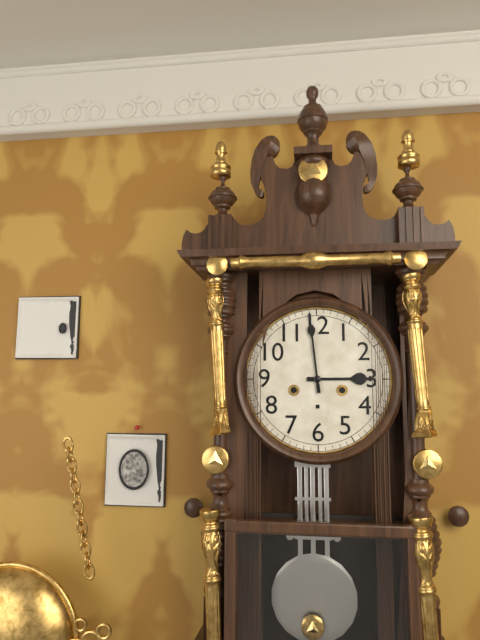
2,59
